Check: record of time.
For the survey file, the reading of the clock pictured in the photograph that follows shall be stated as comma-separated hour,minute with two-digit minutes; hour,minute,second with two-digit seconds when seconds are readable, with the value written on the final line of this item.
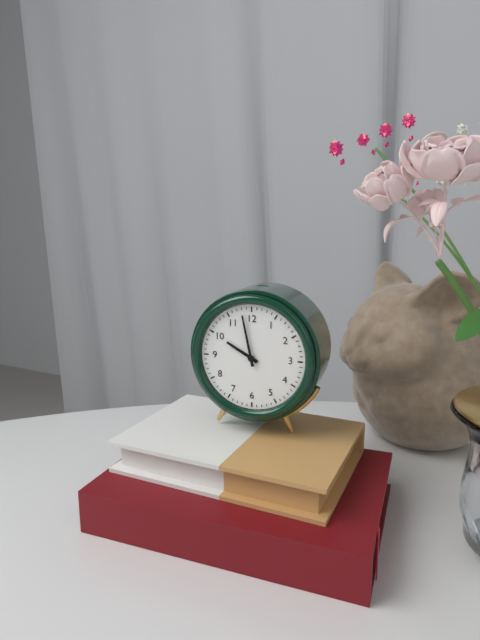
9,58
